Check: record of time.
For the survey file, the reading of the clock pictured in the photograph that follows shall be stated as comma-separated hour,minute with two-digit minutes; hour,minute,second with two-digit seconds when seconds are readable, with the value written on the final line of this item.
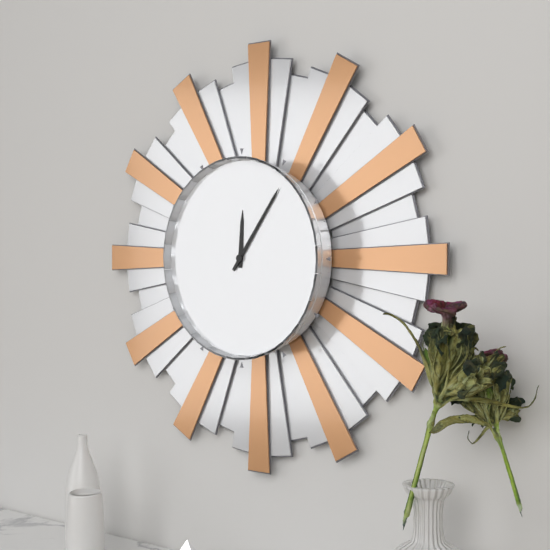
12,06
